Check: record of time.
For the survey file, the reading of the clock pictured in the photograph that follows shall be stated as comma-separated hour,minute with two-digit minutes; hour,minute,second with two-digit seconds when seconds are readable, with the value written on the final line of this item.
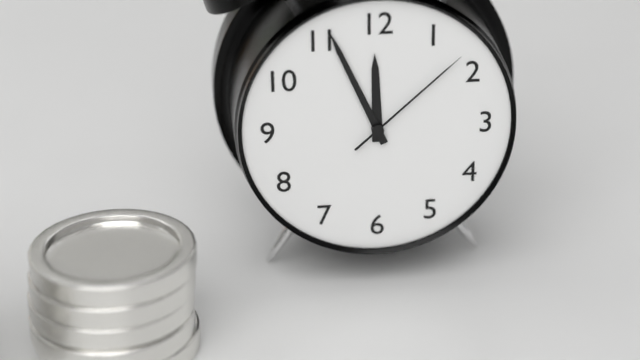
11,56,08
